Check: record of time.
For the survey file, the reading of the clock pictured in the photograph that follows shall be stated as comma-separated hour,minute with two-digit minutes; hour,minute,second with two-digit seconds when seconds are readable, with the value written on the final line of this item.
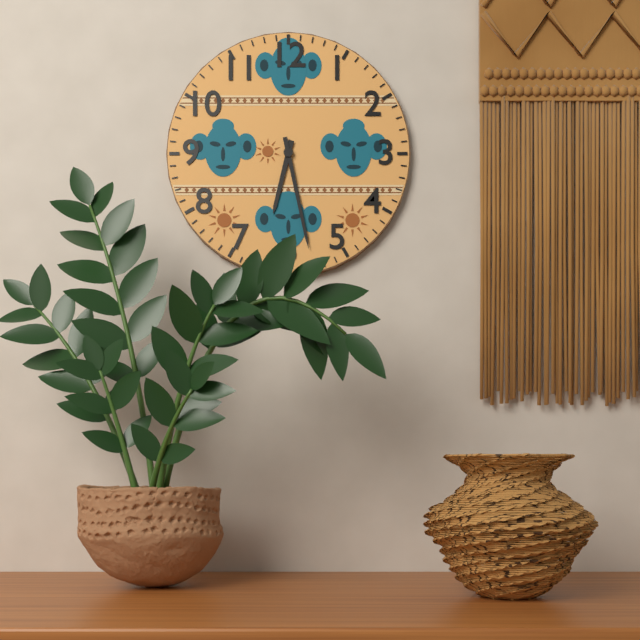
6,28
